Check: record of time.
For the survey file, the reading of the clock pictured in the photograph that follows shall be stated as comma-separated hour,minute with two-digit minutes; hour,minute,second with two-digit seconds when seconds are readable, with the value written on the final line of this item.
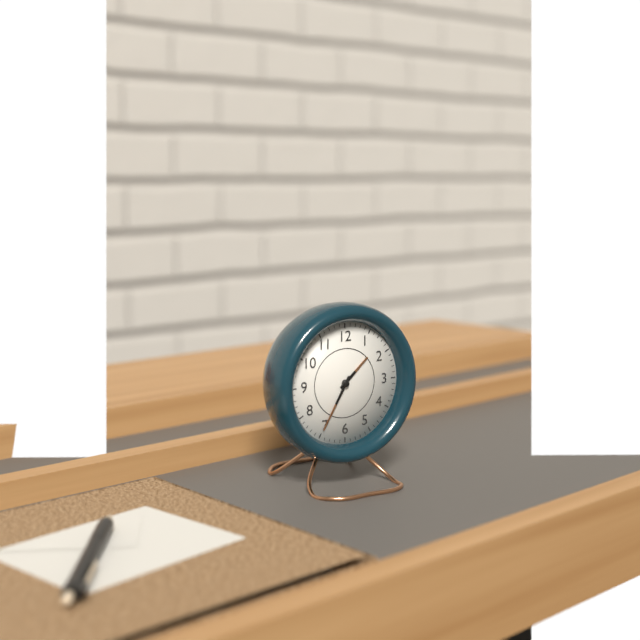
1,35
